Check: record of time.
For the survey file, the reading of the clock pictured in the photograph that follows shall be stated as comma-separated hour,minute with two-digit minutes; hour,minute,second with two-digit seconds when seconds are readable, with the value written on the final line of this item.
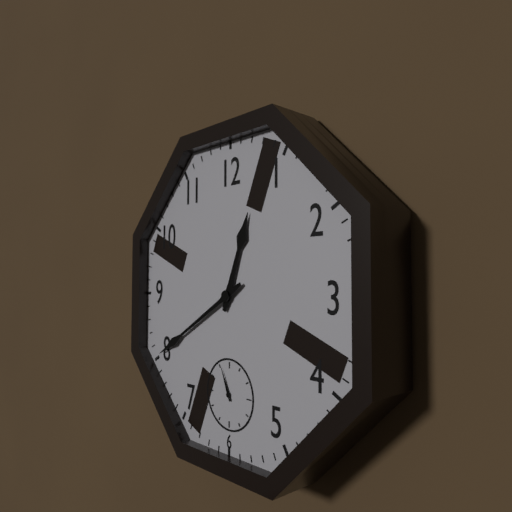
12,40
